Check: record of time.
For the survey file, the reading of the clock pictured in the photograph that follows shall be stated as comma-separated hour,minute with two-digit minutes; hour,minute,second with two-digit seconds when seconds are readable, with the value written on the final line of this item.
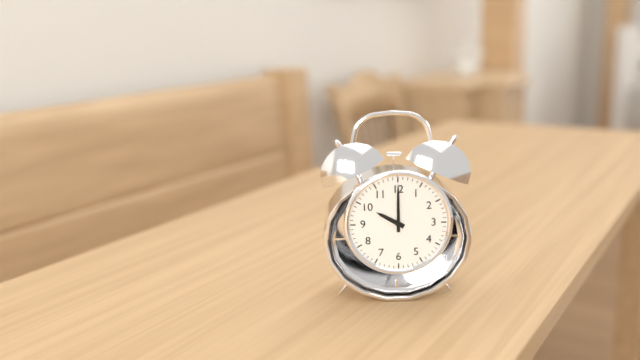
10,00
